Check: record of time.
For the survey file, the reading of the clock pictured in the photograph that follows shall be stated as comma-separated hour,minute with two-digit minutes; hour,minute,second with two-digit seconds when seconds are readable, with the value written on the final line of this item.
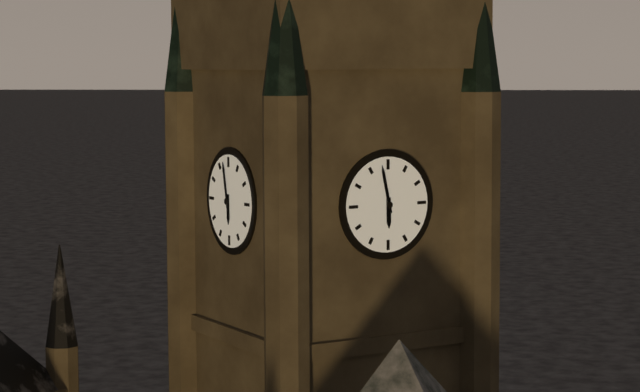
5,58
